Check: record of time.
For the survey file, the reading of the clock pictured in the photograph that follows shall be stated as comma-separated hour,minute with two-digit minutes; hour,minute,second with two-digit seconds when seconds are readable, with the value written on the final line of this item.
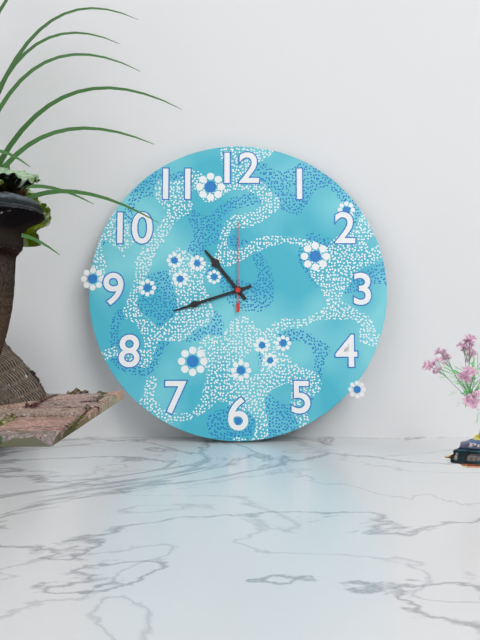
10,42,00
